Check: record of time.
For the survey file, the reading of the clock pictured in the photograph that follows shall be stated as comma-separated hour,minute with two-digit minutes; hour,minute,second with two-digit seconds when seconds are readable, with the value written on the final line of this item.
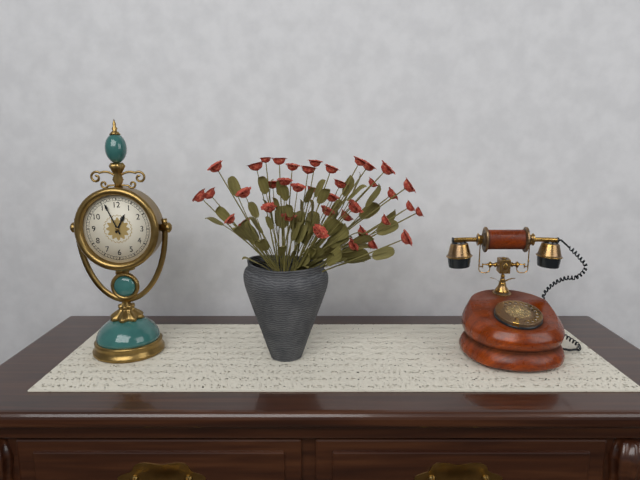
12,56
